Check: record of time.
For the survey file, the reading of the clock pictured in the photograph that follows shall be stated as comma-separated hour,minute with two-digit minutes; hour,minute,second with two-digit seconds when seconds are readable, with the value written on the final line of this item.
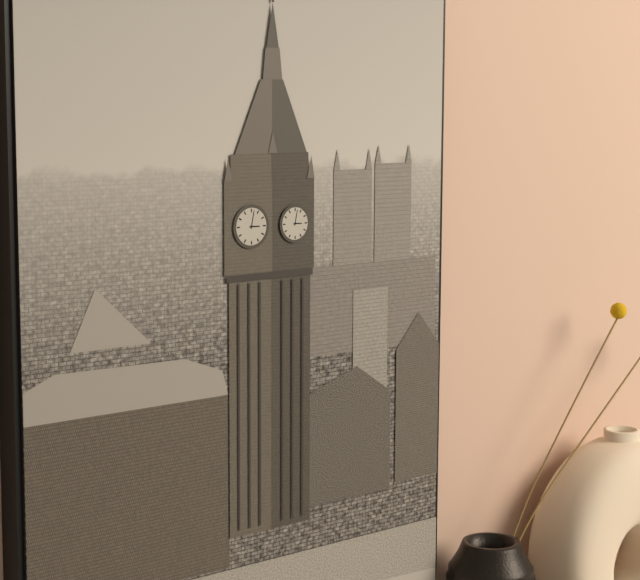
3,02
